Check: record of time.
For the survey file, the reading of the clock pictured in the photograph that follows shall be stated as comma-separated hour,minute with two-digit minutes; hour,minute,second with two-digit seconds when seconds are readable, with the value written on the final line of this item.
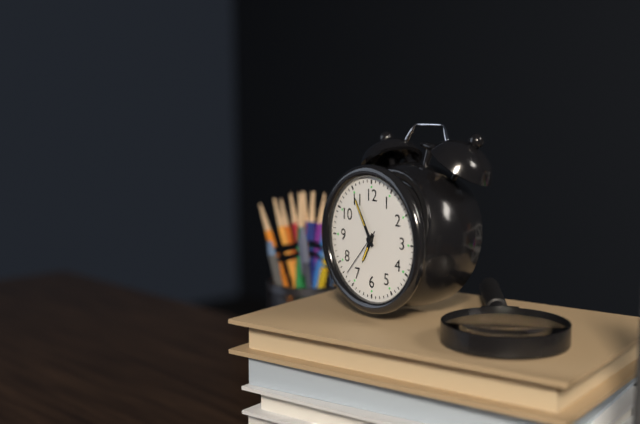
6,55
